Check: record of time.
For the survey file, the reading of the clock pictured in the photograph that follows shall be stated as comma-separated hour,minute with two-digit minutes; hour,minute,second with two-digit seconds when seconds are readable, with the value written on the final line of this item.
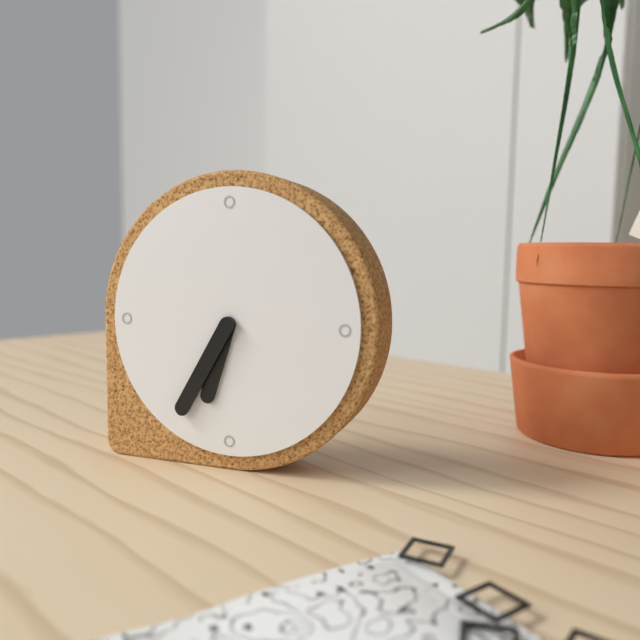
6,35
